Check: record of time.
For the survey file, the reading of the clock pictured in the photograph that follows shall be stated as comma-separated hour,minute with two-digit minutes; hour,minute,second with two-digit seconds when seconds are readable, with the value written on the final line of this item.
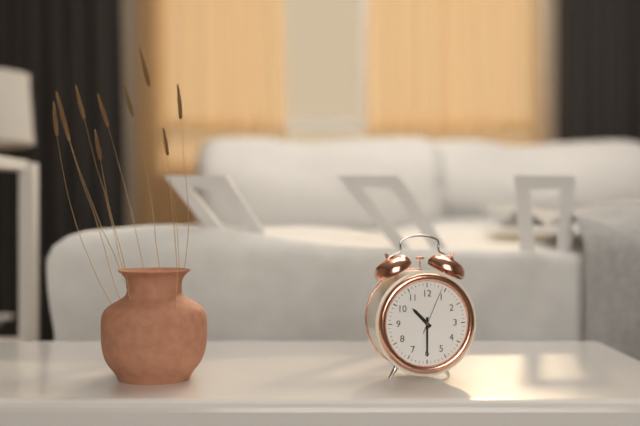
10,30
